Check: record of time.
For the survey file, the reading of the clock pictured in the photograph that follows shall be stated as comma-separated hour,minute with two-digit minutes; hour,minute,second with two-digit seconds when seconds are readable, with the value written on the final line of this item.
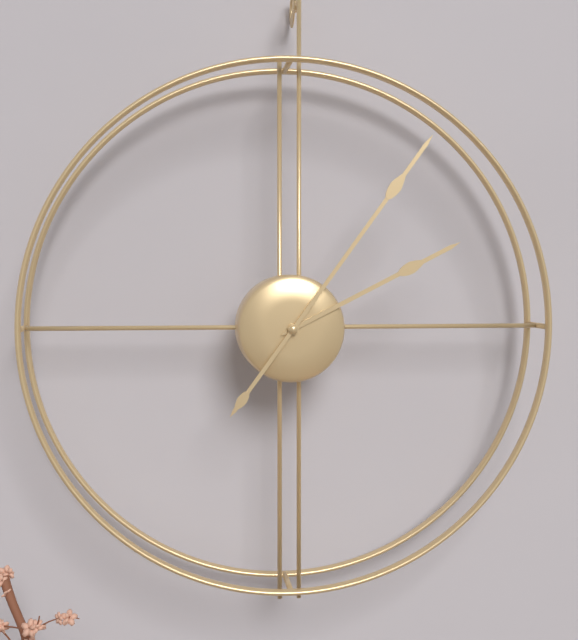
2,06
